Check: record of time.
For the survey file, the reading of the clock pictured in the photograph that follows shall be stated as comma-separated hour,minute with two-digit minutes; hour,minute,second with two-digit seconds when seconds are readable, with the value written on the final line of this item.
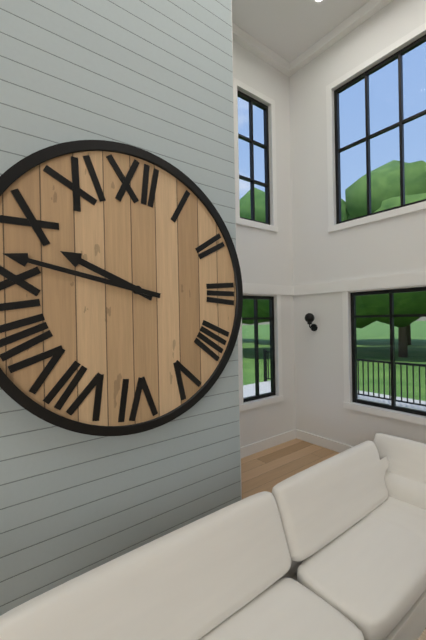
9,47
